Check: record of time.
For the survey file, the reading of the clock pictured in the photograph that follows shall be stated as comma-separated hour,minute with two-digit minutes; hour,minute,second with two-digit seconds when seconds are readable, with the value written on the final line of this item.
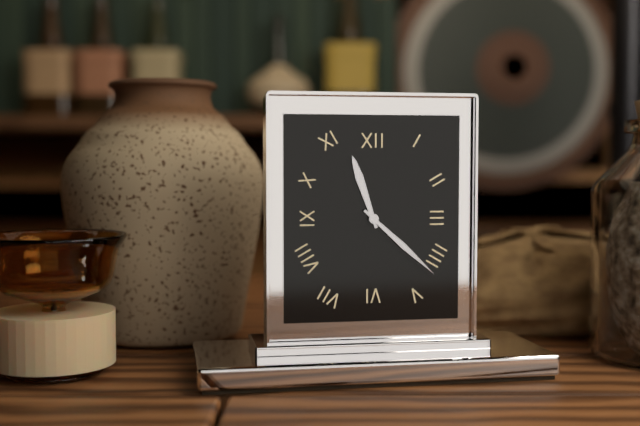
11,22
